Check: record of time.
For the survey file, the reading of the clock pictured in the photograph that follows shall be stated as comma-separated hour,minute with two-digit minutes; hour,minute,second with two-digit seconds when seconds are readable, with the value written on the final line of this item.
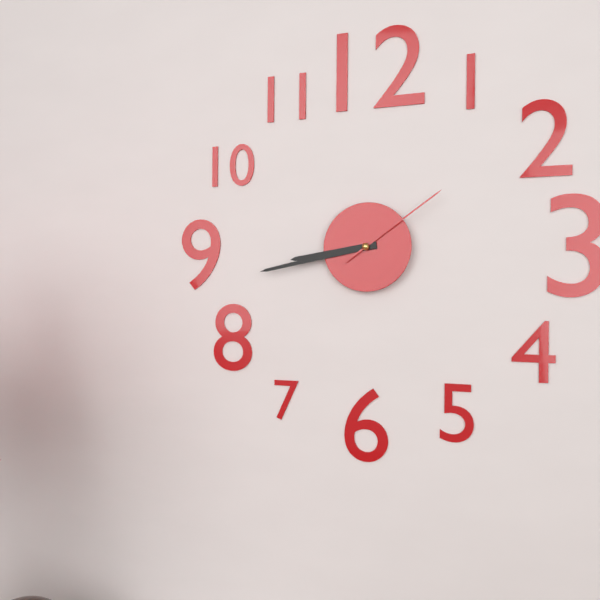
8,43,09
